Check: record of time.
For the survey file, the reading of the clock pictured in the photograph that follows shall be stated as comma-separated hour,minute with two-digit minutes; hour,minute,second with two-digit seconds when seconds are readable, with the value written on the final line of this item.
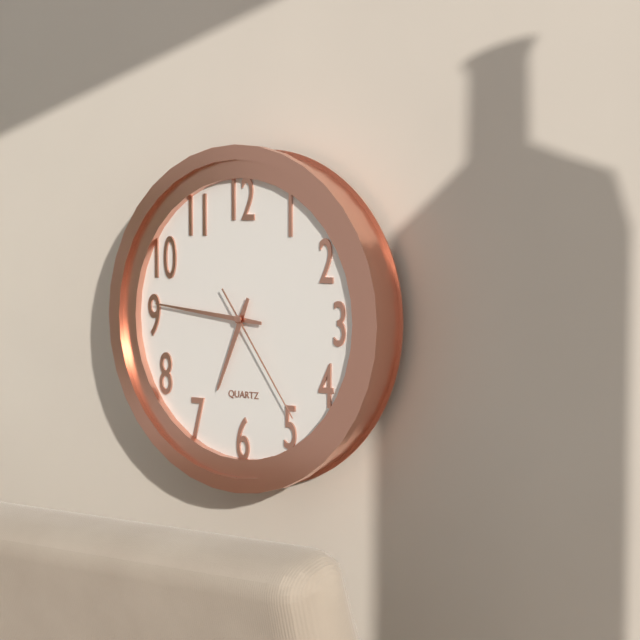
6,46,24
